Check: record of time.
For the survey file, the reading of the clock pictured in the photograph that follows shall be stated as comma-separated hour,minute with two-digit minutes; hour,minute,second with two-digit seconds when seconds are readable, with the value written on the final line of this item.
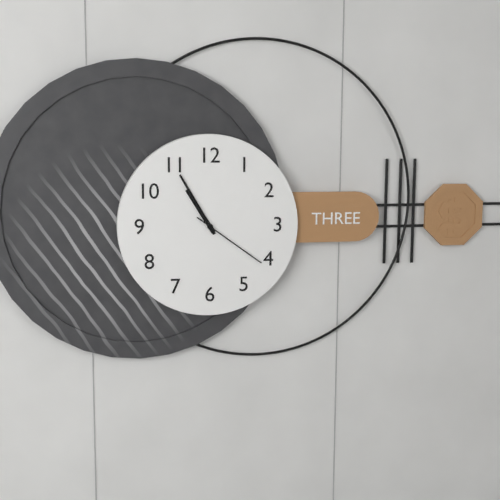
10,55,21
